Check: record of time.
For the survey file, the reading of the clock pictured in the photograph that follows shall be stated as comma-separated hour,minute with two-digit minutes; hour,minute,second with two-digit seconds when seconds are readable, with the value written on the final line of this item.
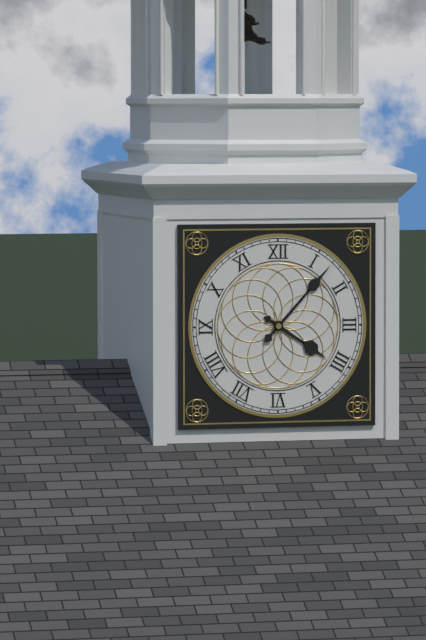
4,07
